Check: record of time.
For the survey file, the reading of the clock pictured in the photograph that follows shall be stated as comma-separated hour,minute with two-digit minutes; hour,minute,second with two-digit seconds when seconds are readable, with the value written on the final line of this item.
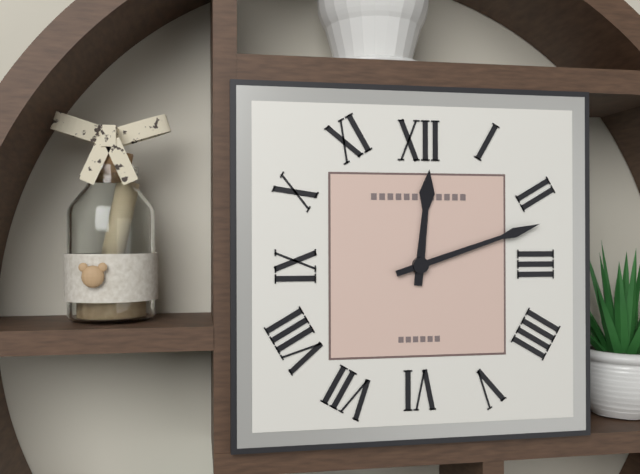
12,12
